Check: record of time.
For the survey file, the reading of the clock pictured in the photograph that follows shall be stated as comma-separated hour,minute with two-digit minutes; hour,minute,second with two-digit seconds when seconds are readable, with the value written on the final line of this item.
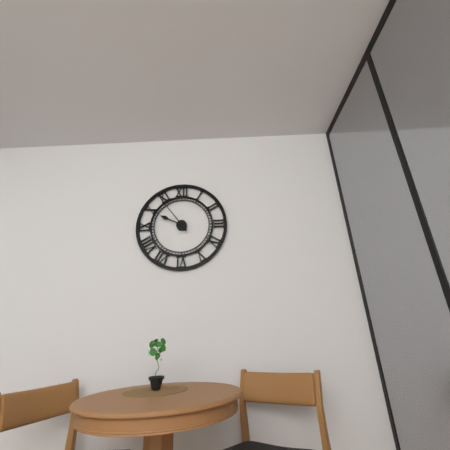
9,54
